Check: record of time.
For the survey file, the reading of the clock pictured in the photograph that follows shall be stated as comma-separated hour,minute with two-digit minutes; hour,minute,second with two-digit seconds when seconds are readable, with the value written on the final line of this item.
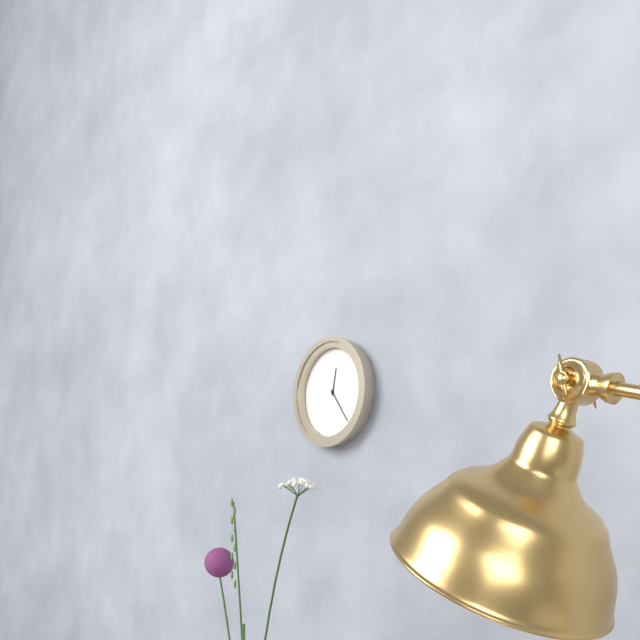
12,24
